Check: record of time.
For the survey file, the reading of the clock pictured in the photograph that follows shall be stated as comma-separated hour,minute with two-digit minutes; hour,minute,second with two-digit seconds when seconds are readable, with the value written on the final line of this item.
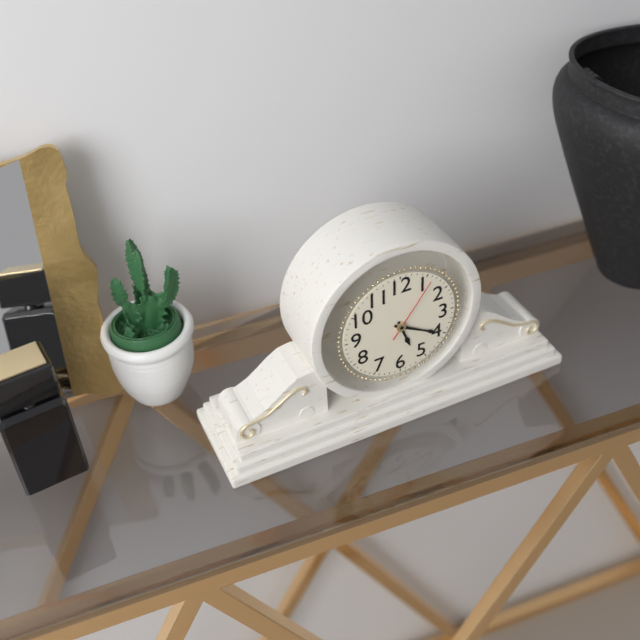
5,20,06
